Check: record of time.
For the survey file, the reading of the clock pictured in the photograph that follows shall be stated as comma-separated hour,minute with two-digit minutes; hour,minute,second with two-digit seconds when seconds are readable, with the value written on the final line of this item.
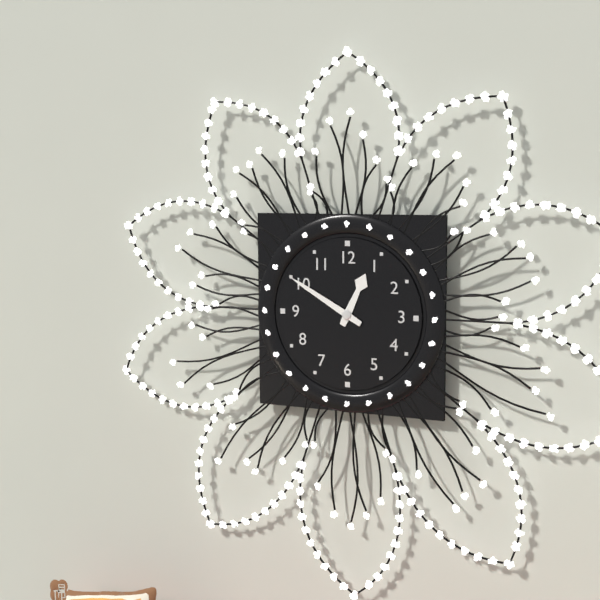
12,50
